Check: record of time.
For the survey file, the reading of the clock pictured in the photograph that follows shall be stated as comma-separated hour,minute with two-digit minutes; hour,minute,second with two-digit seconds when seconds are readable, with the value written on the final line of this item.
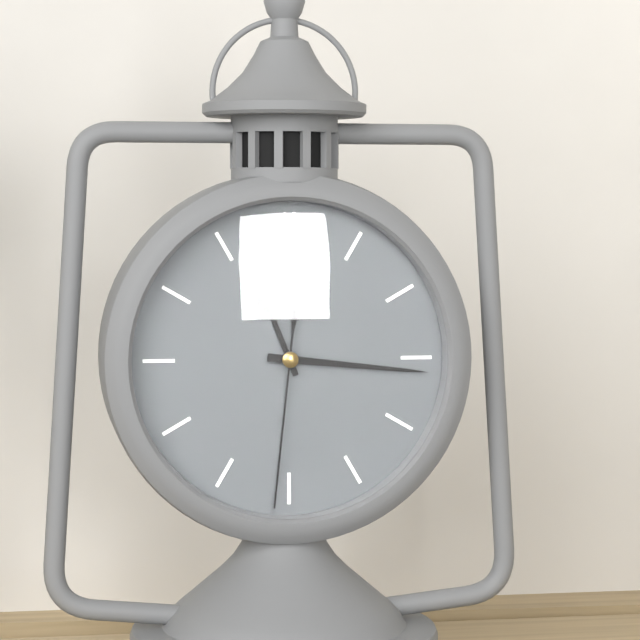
11,16,31
